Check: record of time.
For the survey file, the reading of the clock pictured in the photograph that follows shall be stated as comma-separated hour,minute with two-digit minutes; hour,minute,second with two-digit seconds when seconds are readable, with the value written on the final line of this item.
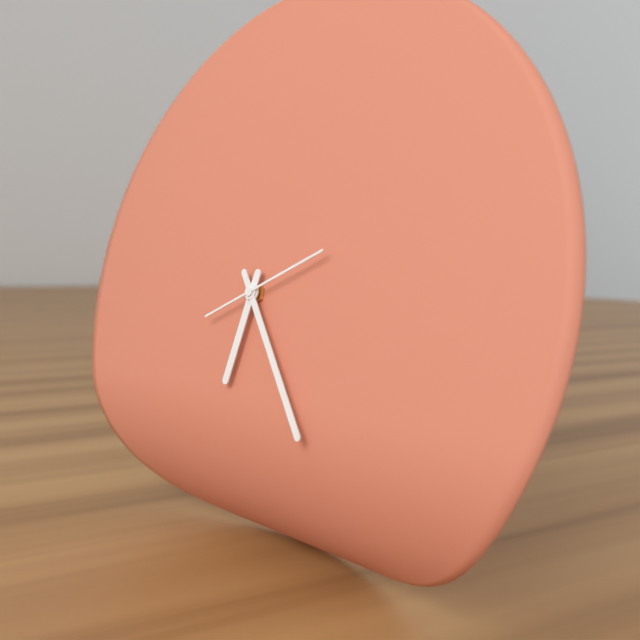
6,24,11
